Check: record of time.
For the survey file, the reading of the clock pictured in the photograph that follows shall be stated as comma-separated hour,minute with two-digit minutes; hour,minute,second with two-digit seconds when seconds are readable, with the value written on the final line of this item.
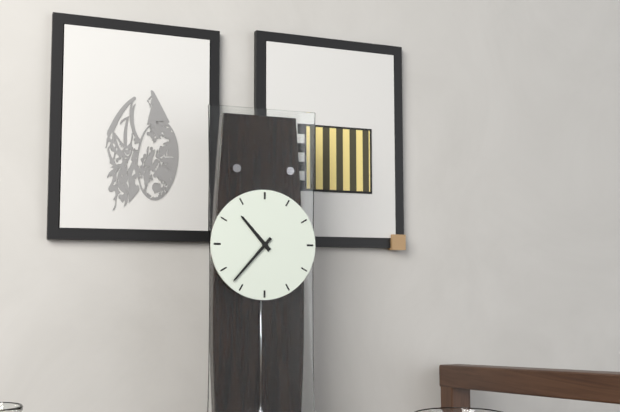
10,37
